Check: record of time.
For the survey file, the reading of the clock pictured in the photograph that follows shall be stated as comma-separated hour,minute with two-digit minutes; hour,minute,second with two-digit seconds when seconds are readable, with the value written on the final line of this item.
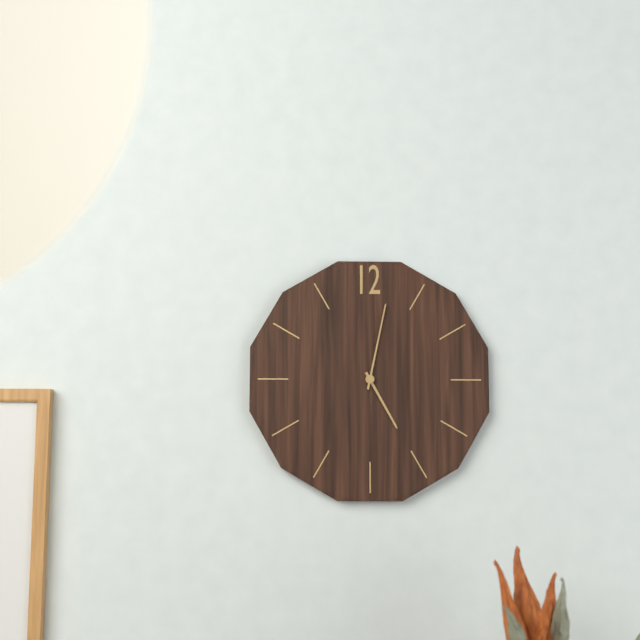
5,02
